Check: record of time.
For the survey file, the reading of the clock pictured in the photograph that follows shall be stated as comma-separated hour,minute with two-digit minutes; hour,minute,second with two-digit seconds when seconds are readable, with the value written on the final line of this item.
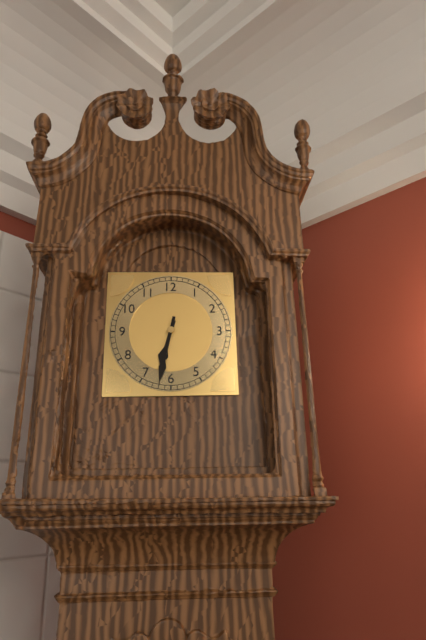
6,32
